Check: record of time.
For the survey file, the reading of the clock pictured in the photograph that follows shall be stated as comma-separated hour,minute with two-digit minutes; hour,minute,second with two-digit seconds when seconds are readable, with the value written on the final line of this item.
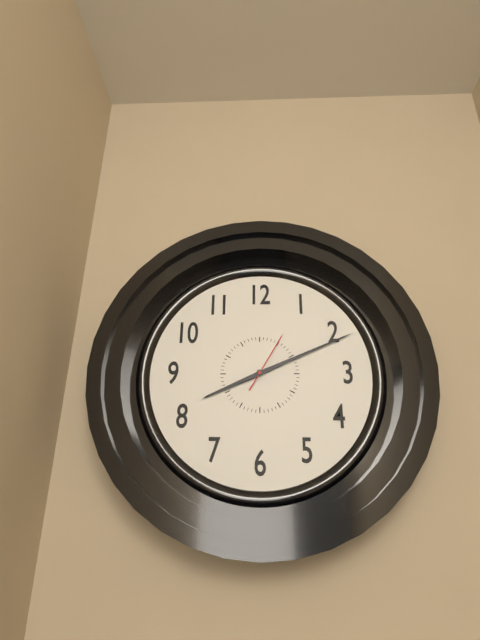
8,11,05
